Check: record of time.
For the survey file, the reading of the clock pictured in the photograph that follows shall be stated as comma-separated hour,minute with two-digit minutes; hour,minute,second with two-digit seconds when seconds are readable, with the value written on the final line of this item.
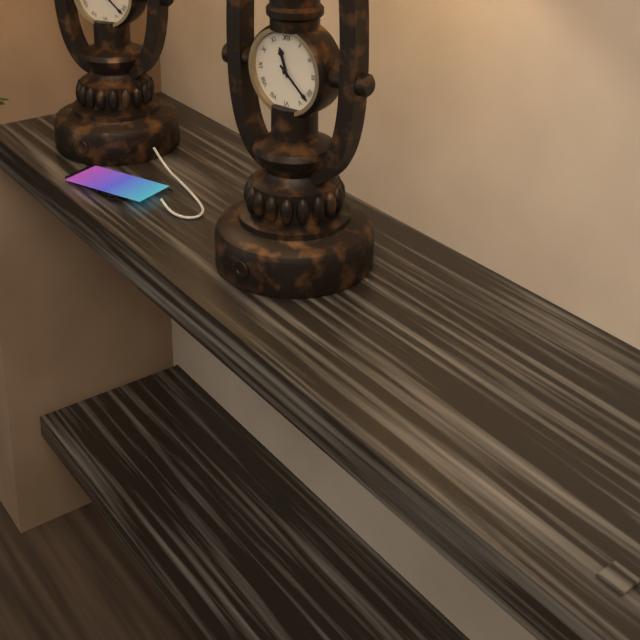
11,22
